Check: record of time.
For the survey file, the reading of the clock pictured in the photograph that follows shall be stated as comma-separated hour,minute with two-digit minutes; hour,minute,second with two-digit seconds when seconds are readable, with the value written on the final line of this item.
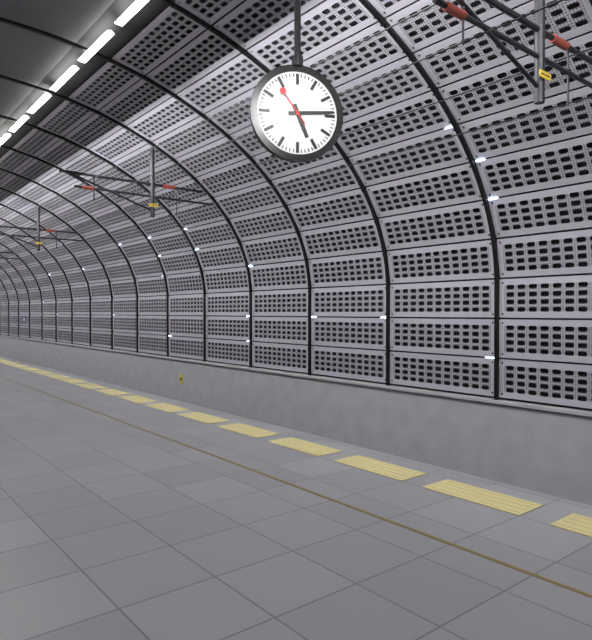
5,14
